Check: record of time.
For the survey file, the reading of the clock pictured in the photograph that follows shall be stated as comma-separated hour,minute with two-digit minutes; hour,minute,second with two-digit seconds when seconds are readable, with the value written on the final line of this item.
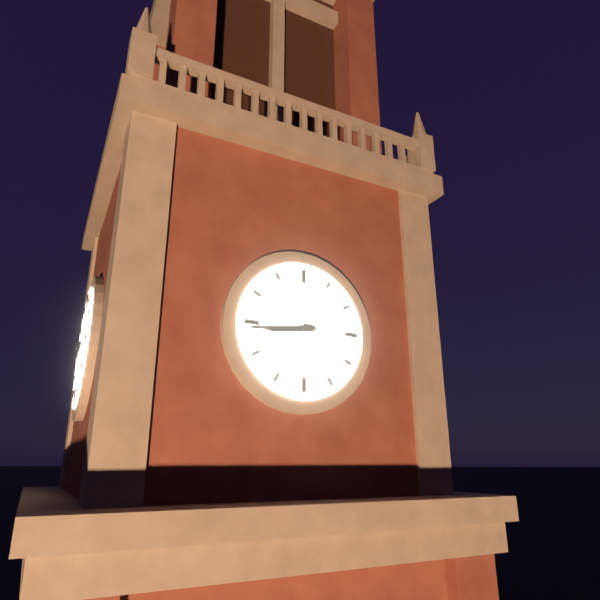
8,44
